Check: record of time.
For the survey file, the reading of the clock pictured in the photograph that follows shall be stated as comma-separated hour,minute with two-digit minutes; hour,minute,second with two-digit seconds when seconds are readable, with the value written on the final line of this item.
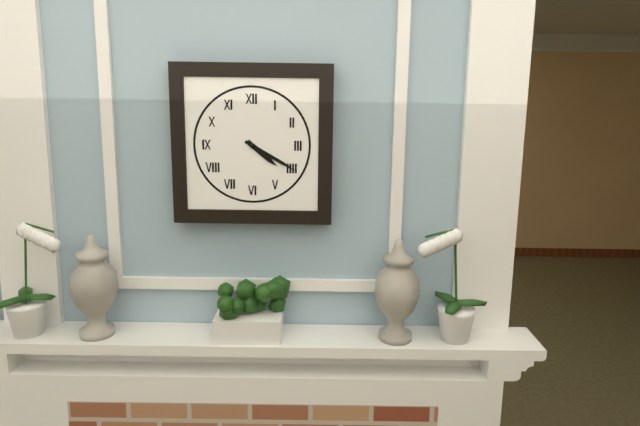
4,20
